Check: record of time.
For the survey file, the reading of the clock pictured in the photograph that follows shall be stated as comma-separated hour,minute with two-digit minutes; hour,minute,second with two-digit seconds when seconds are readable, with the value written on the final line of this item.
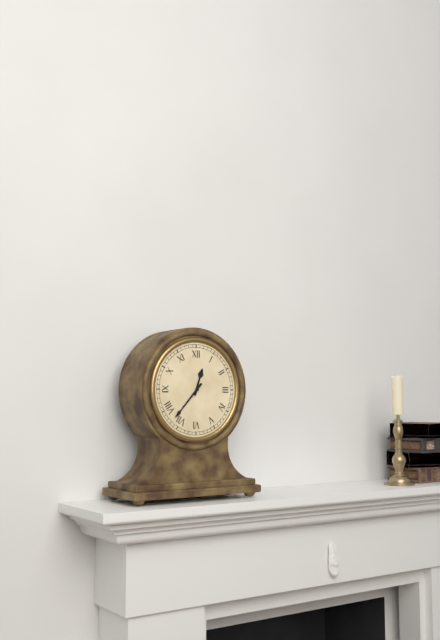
12,37
